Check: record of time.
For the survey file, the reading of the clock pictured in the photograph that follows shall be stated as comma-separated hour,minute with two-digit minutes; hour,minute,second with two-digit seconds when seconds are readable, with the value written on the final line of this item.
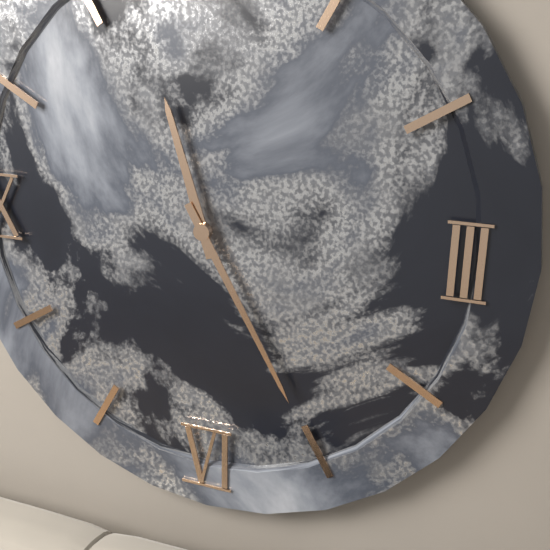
11,25
